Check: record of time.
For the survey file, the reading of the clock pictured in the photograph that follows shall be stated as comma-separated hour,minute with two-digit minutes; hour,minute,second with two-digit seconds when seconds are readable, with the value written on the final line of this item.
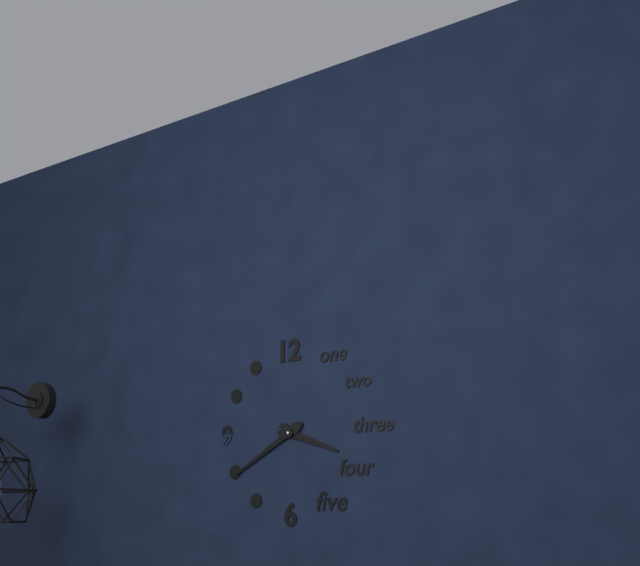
3,40
